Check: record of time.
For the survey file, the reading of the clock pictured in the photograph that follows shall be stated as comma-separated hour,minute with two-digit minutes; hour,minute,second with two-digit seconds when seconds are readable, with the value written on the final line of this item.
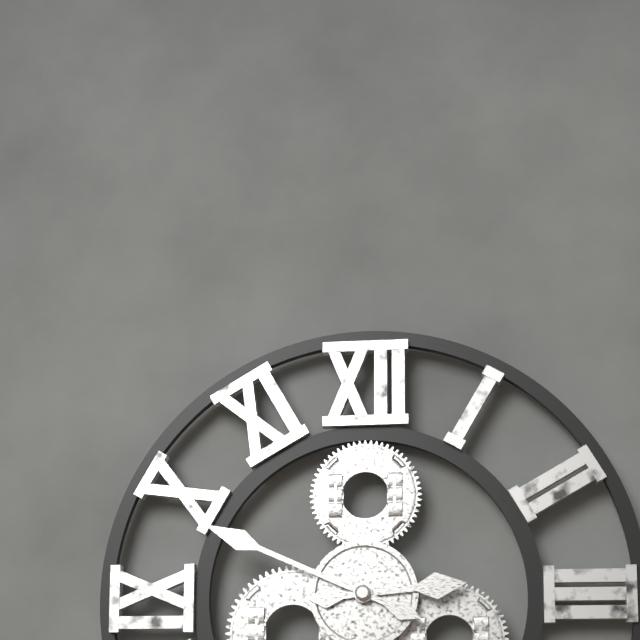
2,49
